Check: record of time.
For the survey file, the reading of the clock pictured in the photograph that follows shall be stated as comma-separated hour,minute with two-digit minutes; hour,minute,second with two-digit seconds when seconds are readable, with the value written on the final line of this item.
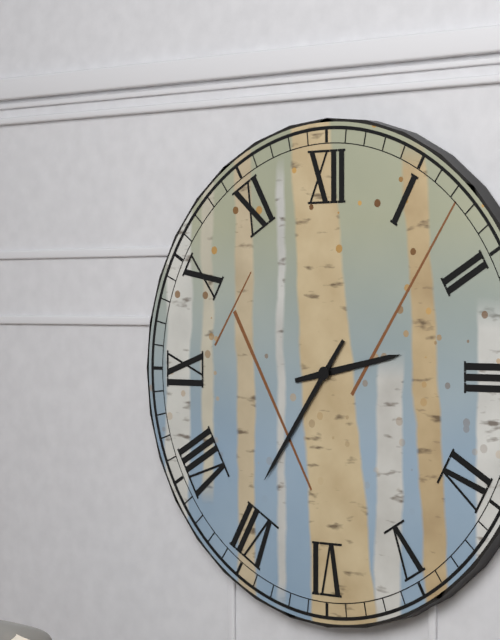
2,36
